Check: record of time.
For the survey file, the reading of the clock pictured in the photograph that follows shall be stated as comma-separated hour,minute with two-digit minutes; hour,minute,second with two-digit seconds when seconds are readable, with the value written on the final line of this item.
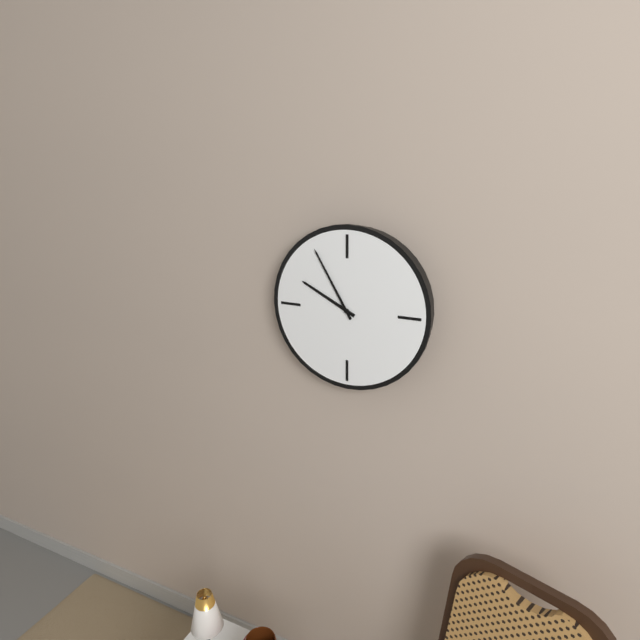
9,55
